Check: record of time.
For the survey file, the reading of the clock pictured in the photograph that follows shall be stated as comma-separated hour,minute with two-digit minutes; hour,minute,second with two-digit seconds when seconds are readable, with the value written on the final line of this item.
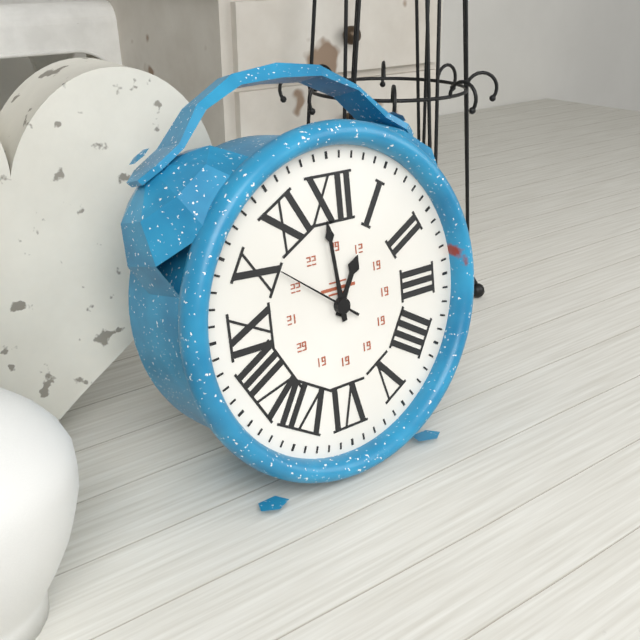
12,59,51
